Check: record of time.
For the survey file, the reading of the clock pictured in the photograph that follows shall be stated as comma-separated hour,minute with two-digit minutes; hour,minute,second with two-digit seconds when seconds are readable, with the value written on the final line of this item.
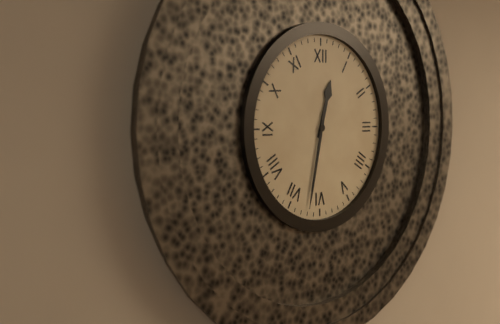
12,32
